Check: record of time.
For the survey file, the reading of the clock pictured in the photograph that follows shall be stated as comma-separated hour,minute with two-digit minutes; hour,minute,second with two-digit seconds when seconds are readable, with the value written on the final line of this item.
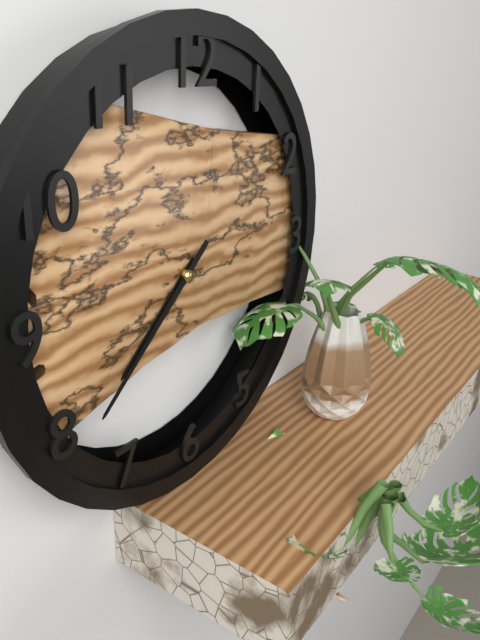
7,38
